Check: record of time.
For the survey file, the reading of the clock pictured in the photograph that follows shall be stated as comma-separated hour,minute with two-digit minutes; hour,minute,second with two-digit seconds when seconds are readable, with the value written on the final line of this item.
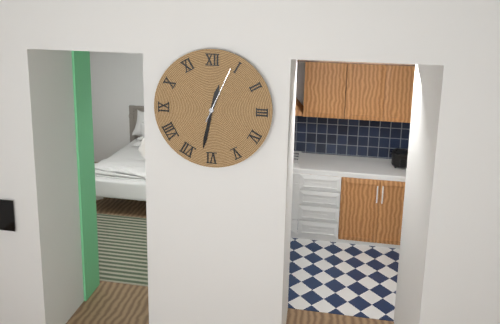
12,32,04
